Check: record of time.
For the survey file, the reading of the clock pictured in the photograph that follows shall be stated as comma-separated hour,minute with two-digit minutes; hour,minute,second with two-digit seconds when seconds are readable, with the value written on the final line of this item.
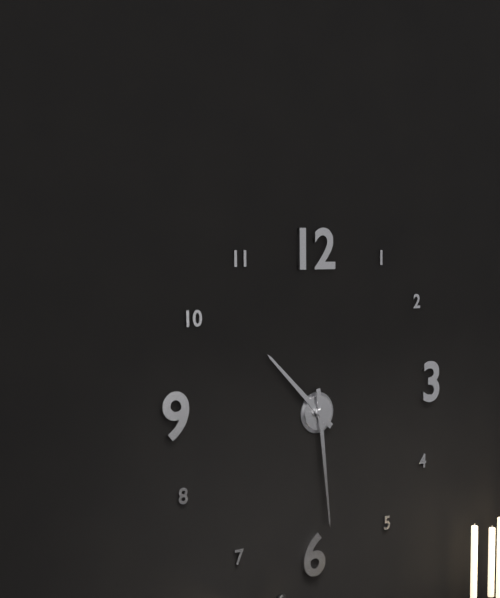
10,29
